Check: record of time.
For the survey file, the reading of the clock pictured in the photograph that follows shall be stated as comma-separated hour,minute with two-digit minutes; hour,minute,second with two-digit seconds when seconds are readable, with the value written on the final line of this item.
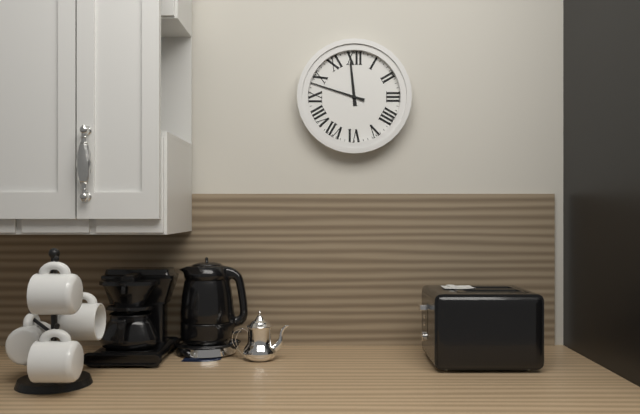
11,48
